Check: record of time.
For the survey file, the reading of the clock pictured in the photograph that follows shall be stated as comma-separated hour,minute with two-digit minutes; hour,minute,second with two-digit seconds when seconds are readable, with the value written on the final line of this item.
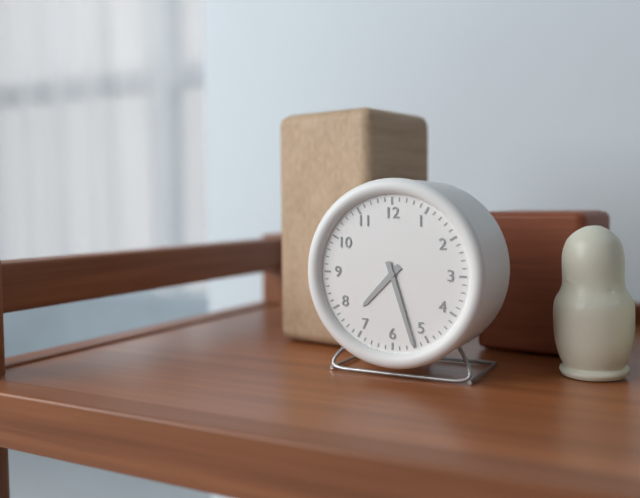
7,27
